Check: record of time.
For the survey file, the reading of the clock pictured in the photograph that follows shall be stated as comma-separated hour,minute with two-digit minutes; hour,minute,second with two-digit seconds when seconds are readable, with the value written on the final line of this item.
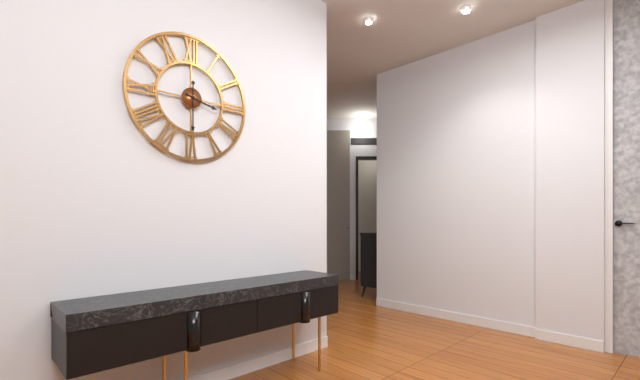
3,30
